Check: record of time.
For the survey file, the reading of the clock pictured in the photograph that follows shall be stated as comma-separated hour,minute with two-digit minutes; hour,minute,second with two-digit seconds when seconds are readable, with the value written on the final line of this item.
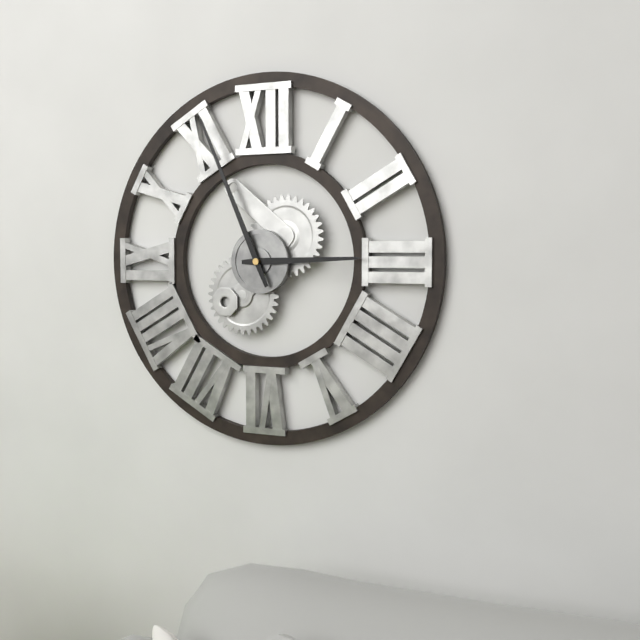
2,56
